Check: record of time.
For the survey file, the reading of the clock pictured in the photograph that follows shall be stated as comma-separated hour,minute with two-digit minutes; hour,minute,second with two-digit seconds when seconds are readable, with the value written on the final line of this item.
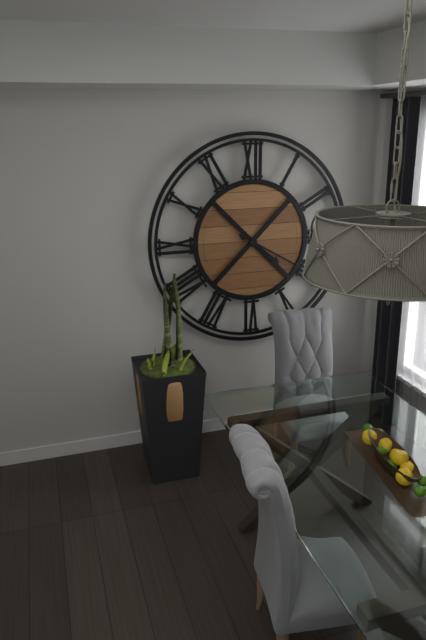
4,20
